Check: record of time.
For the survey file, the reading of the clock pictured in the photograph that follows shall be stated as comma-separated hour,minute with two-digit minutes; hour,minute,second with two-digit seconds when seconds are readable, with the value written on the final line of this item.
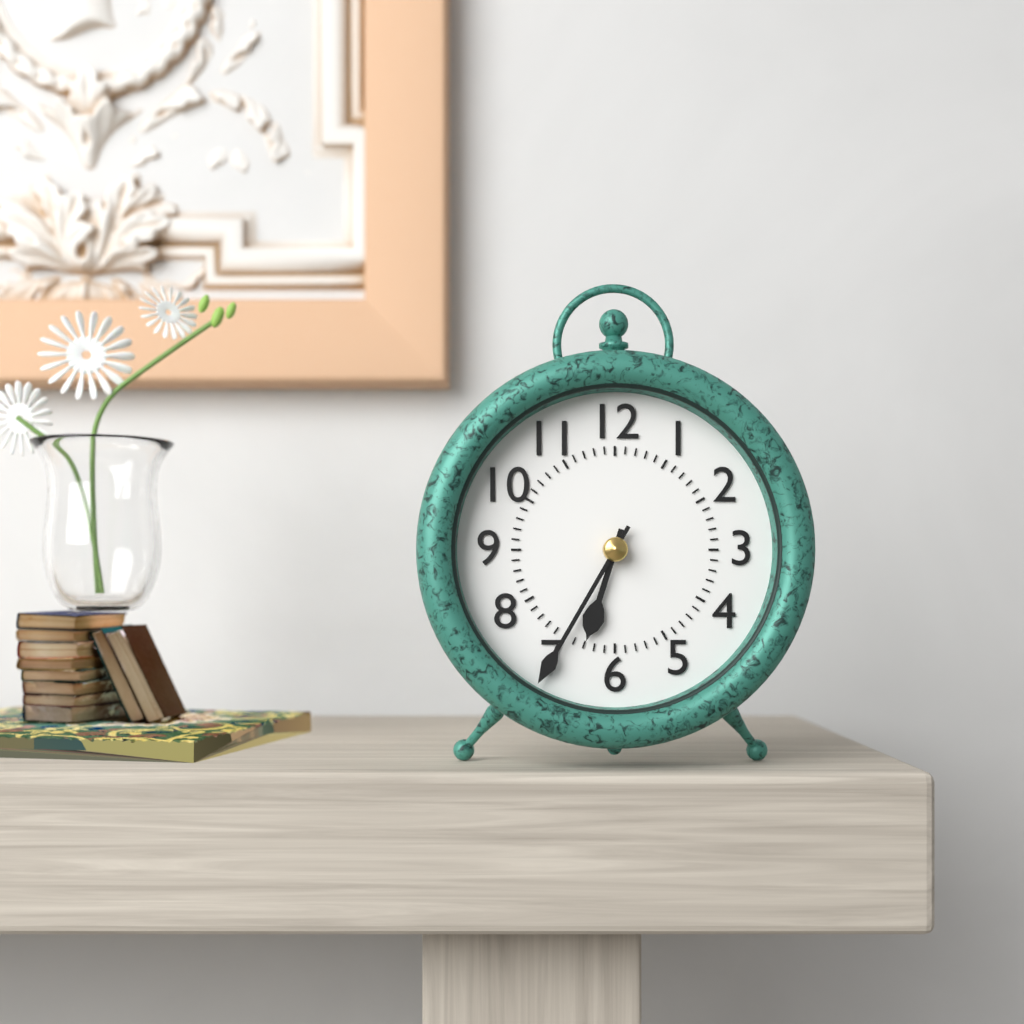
6,35
